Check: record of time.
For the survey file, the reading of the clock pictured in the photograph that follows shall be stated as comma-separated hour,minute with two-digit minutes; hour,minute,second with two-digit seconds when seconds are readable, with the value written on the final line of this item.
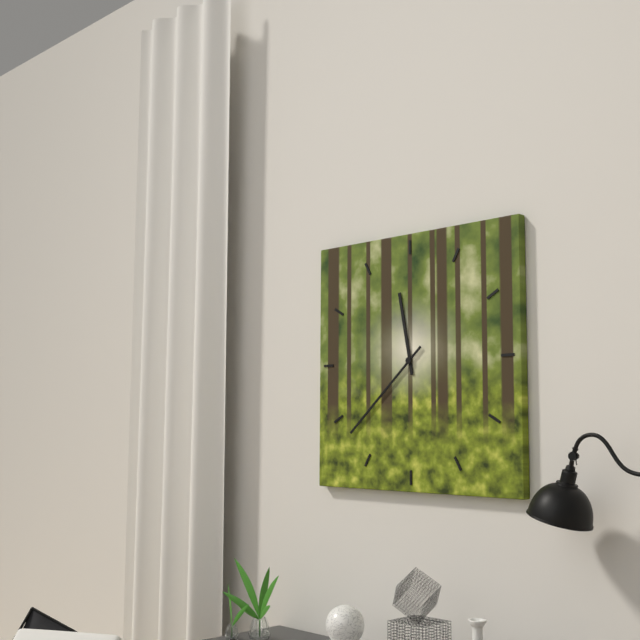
11,38
